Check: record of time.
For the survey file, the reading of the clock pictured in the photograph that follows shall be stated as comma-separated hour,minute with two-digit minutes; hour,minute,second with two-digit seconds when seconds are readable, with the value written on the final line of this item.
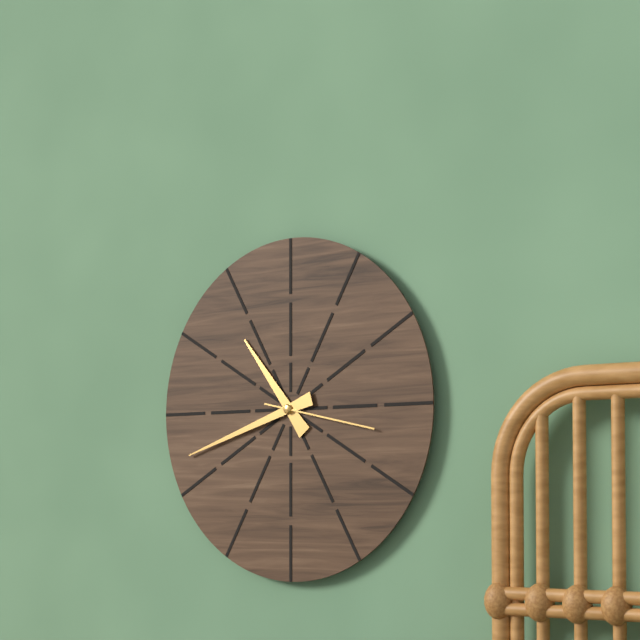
10,42,17
